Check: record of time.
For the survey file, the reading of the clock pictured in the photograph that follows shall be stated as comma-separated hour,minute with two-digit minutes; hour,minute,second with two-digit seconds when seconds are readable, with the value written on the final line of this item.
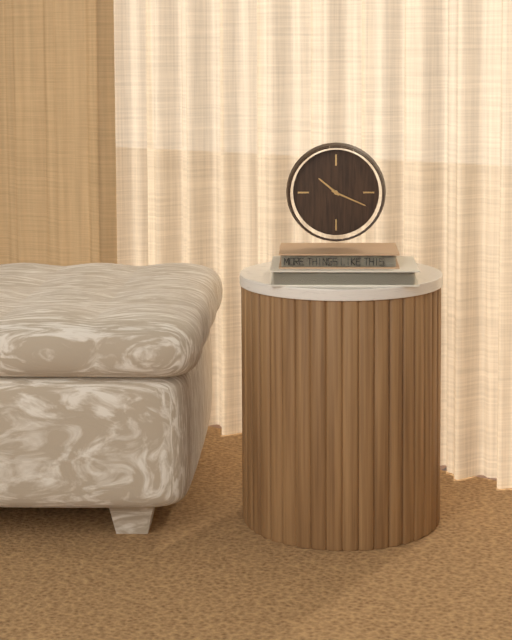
10,19
